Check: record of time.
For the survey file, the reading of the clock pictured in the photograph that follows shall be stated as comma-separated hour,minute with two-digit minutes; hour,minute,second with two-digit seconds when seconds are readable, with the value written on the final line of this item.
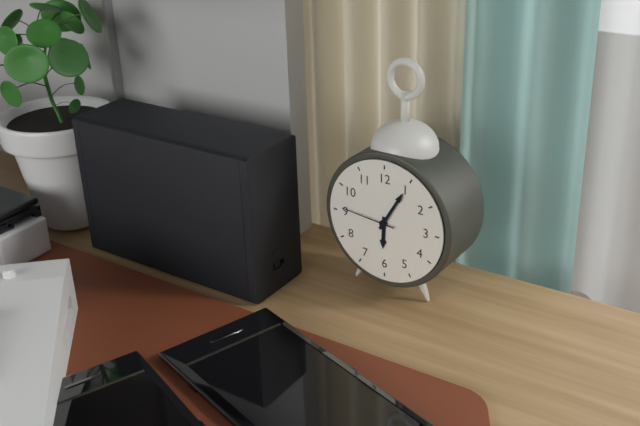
6,05,46
